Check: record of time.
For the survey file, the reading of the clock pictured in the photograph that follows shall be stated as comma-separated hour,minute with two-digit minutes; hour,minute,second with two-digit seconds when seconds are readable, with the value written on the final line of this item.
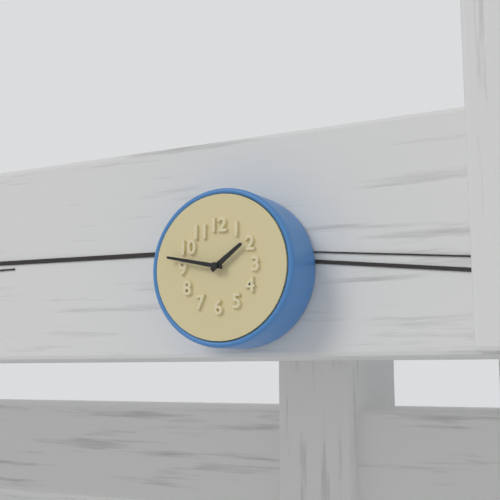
1,47
